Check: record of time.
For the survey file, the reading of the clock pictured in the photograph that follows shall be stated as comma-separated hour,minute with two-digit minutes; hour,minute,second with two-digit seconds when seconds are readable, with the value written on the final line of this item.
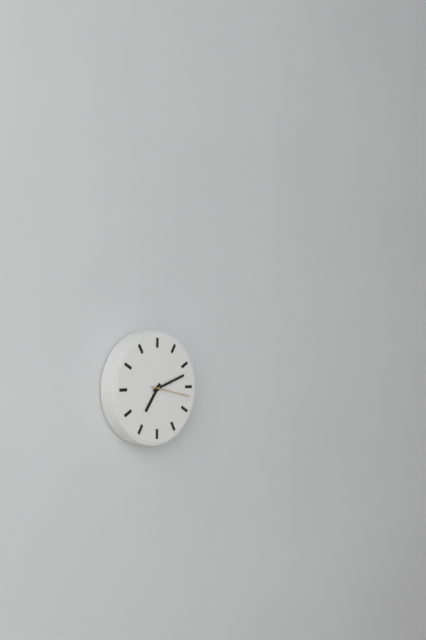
7,12
